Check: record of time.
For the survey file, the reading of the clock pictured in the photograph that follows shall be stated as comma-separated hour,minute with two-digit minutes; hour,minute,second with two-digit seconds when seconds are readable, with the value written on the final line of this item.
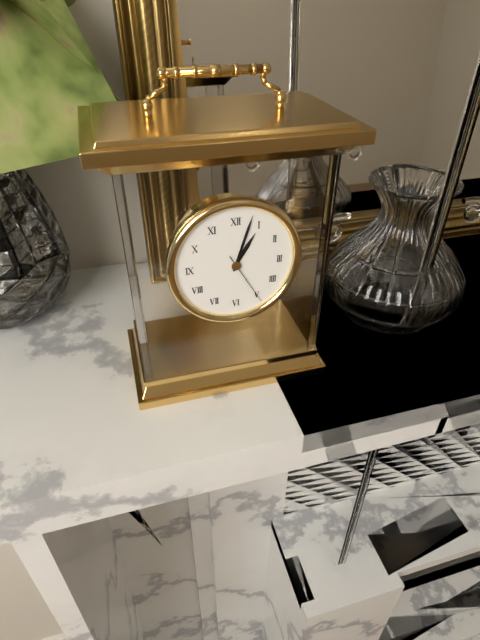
1,03,25
